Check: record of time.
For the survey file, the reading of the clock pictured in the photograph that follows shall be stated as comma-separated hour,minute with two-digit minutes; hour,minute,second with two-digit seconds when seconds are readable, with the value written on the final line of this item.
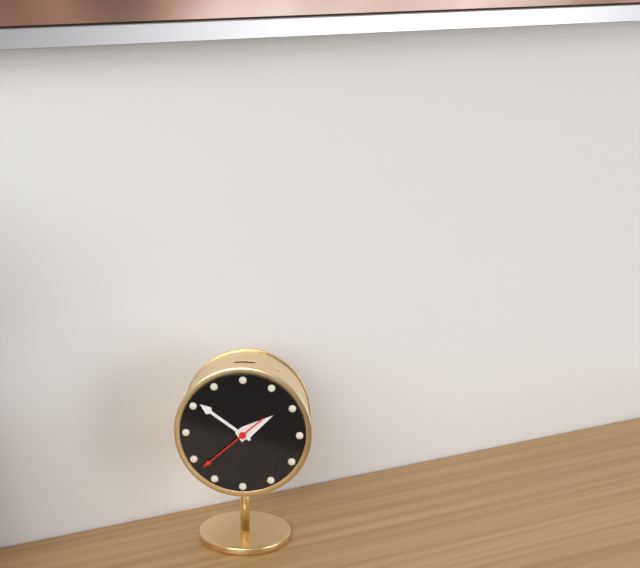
1,51,38
